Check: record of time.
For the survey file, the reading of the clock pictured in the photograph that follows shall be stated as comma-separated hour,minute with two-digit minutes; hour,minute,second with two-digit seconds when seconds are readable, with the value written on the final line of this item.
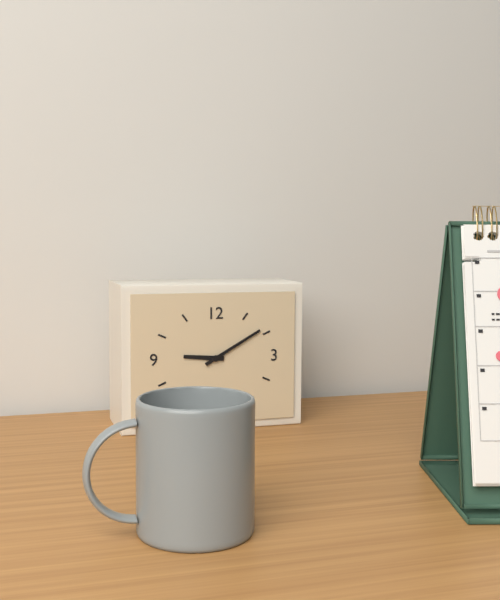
9,10
